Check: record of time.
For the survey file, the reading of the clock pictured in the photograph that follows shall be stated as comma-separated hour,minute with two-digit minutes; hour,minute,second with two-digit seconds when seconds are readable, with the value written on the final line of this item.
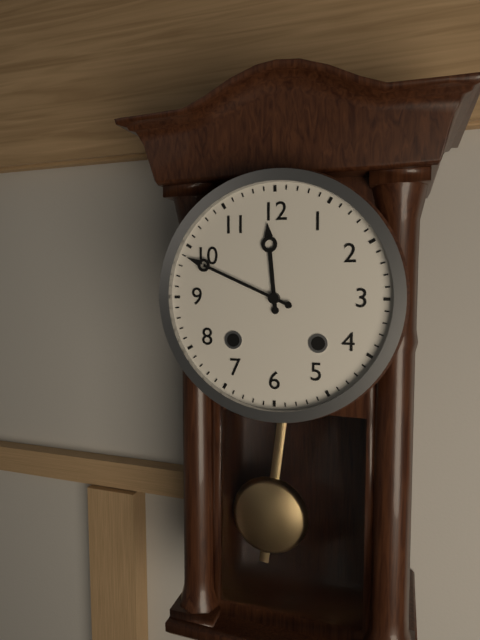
11,49
